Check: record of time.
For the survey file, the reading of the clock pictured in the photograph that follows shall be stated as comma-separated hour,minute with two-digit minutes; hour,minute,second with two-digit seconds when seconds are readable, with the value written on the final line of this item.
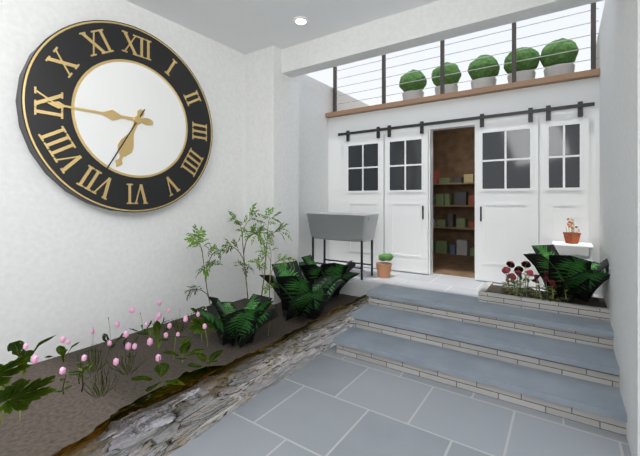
6,45,35
